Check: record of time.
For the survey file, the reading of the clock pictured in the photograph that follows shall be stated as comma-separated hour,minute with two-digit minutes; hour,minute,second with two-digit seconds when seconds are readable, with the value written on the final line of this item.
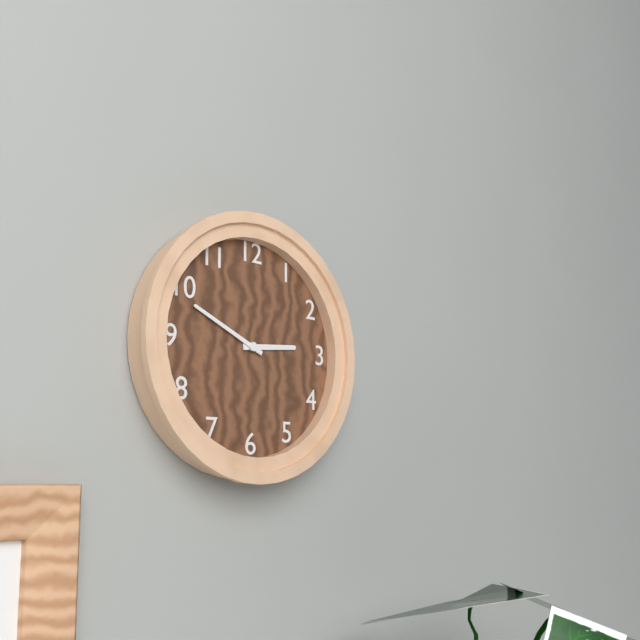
2,49
